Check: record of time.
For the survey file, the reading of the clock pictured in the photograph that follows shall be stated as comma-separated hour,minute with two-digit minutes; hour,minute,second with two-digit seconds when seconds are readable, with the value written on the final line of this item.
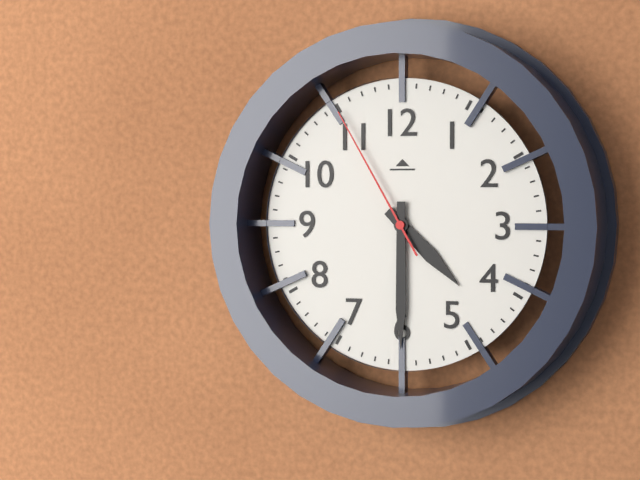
4,30,55
